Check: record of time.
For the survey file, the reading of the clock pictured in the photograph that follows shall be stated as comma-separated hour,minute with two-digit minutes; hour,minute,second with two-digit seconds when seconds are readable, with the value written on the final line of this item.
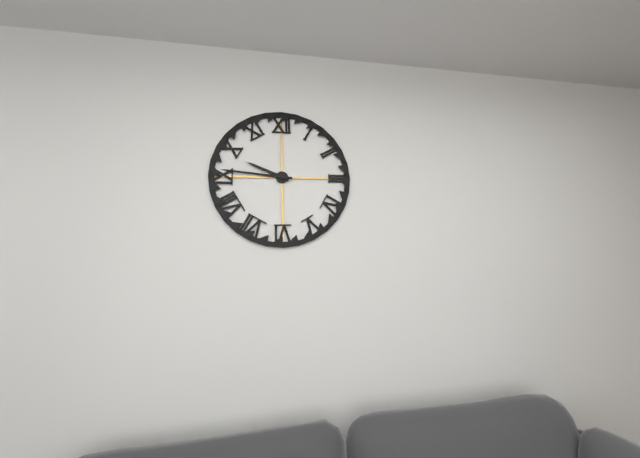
9,46
